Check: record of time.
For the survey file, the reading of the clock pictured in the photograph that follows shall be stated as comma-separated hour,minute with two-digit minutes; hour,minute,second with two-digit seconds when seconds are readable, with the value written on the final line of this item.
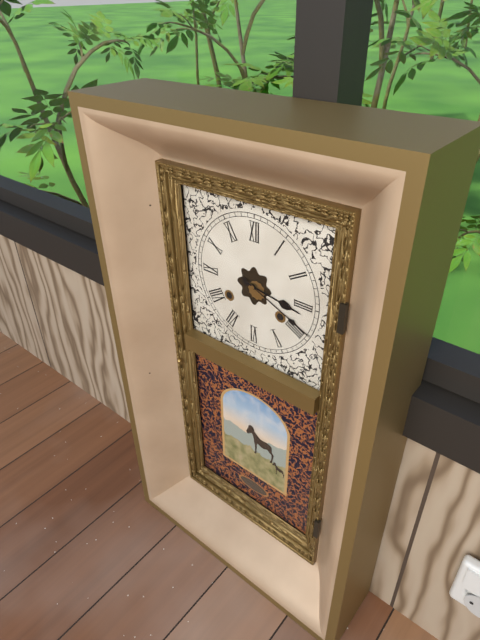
3,19
